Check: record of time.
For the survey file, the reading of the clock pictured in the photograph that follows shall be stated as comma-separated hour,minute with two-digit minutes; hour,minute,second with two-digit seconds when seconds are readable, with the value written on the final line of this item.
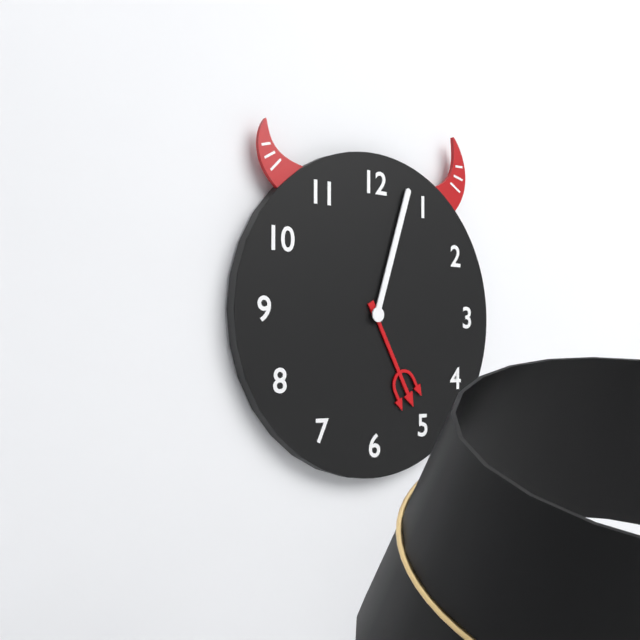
5,03
